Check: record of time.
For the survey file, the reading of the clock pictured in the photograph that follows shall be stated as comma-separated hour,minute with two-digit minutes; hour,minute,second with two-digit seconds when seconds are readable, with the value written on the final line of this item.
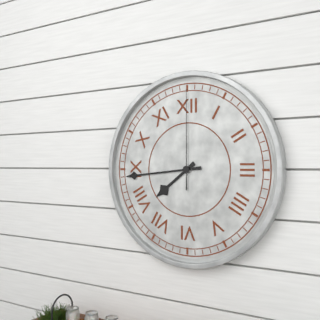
7,44,00
